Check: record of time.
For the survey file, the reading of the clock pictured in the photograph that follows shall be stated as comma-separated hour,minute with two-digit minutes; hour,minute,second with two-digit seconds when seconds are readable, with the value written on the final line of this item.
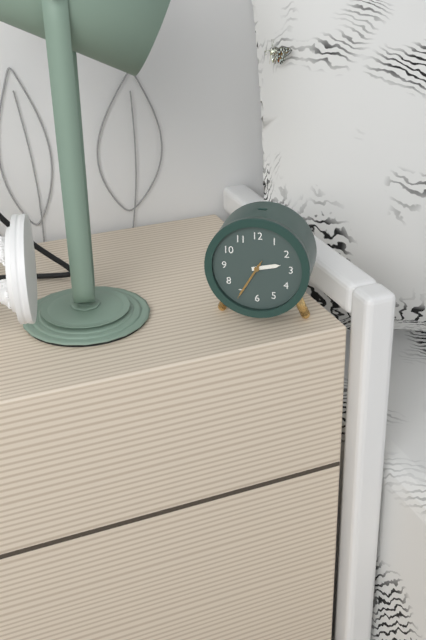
2,35
